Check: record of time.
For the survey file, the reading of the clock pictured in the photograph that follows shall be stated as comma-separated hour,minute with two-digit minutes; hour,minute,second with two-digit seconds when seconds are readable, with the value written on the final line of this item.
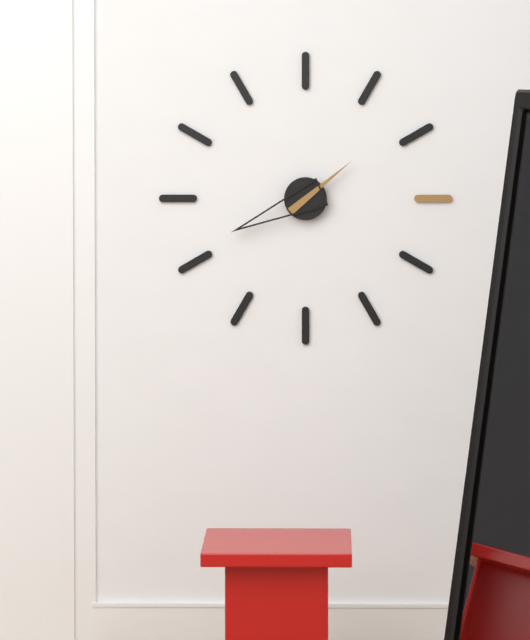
1,41
